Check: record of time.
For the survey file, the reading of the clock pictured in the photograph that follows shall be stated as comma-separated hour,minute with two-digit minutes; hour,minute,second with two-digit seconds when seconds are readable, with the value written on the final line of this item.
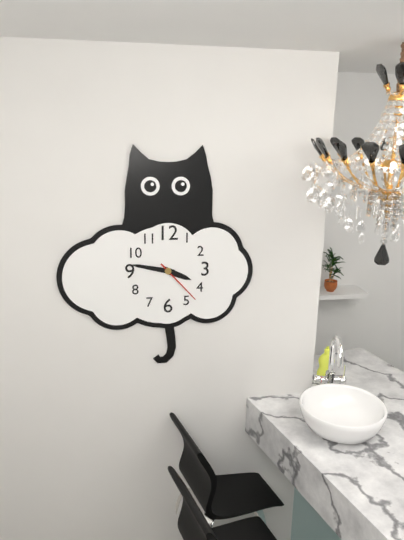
3,47
